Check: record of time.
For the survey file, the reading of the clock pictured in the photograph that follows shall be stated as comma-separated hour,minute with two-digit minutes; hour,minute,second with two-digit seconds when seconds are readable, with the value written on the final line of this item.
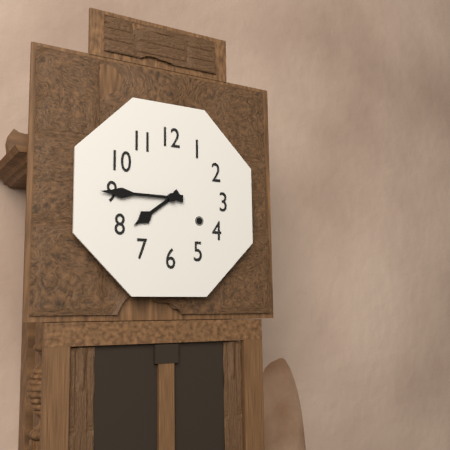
7,45
